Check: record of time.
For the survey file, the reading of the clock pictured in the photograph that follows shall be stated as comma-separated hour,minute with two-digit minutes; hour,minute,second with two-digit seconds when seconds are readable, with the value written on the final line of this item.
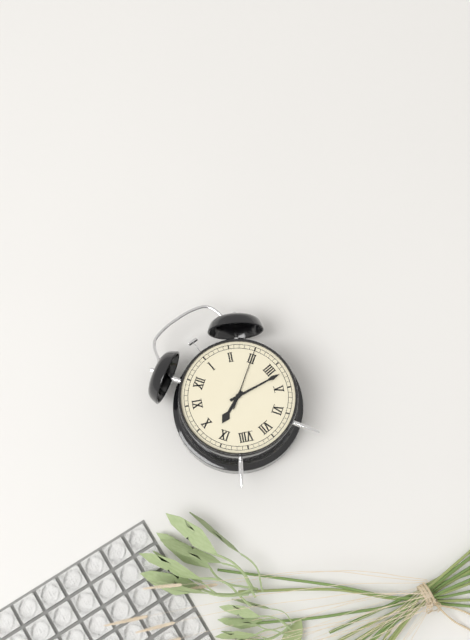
9,22,15
